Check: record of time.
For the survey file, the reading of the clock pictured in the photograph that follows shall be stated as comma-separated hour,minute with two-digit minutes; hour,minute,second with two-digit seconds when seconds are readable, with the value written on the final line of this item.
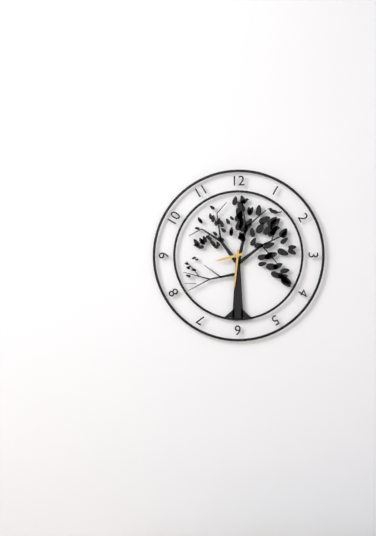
8,31
